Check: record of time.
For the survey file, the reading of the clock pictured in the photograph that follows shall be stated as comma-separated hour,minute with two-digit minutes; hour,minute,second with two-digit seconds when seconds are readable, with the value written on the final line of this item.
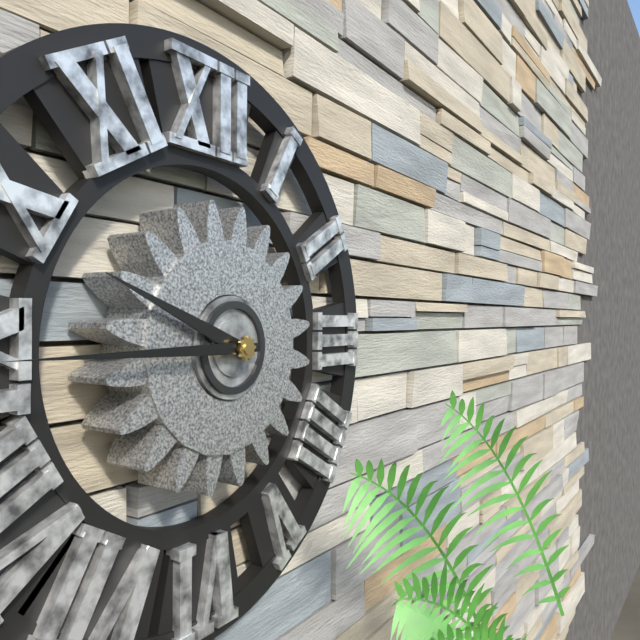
9,45
